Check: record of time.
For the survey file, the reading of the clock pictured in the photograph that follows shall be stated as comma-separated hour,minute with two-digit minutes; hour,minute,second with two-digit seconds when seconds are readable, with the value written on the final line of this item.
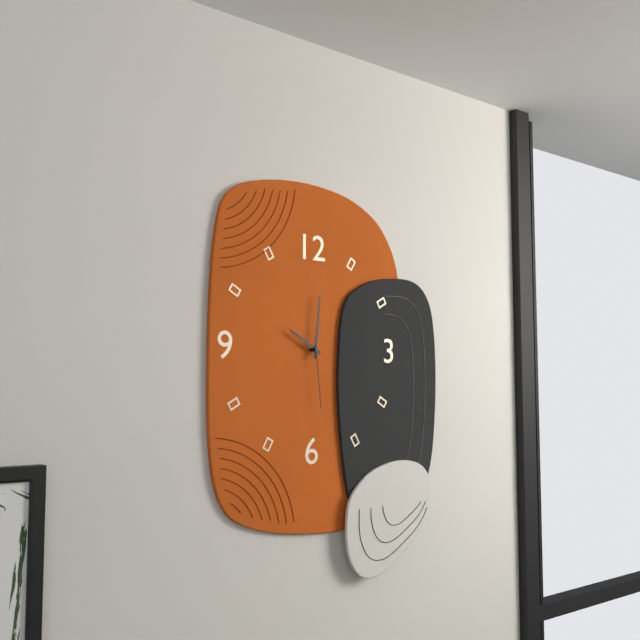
10,01,29
